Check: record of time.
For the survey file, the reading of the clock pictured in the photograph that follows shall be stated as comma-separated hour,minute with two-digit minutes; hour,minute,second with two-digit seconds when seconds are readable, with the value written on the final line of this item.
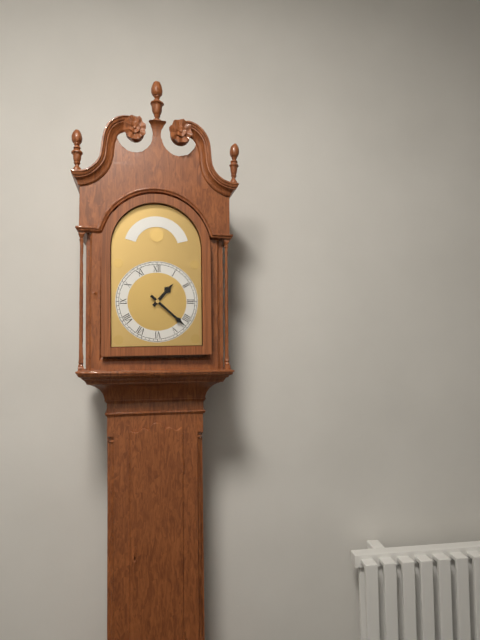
1,22
